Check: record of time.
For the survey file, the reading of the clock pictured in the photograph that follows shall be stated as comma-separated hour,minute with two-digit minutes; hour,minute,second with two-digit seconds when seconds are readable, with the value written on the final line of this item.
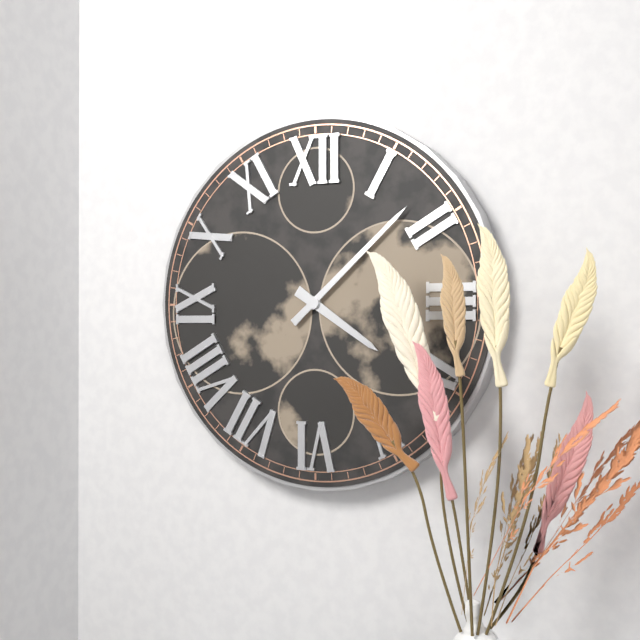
4,08
